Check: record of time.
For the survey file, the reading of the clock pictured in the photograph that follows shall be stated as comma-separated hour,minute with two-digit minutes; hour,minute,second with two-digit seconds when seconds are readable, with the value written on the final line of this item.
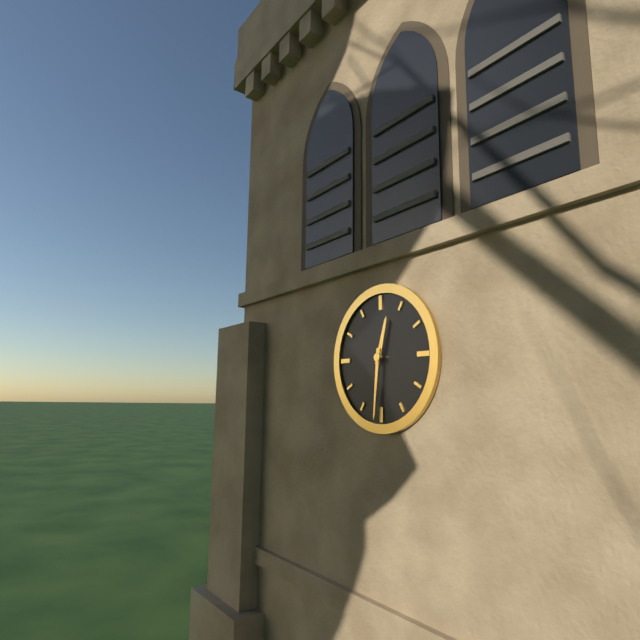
12,31
